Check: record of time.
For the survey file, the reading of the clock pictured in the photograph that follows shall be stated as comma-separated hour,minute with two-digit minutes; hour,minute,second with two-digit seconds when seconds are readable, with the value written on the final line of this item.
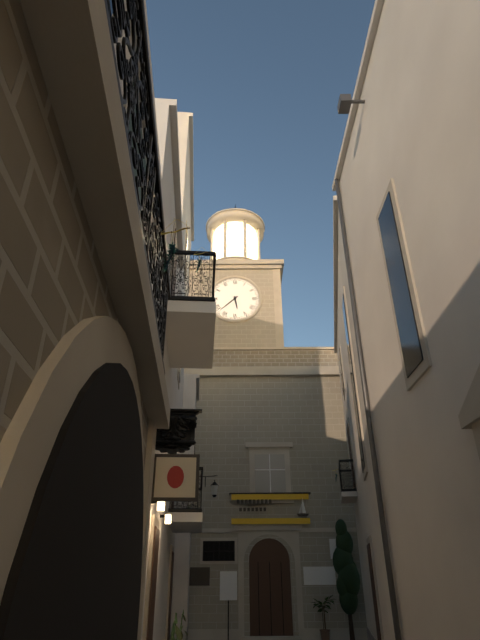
5,38
